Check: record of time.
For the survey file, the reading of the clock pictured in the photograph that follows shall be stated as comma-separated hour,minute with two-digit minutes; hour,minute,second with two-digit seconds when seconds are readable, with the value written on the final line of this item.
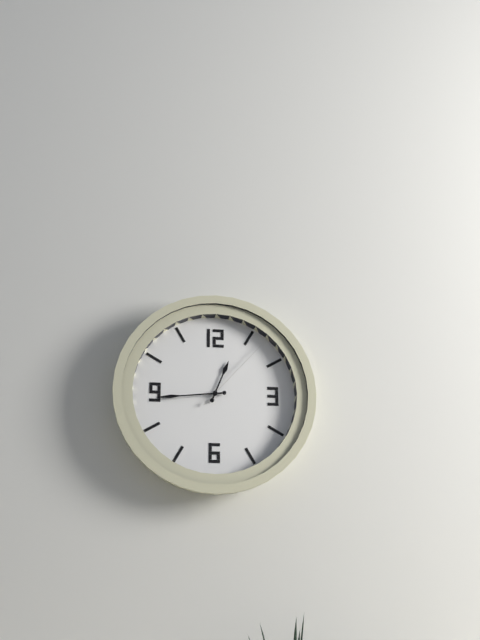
12,44,07
